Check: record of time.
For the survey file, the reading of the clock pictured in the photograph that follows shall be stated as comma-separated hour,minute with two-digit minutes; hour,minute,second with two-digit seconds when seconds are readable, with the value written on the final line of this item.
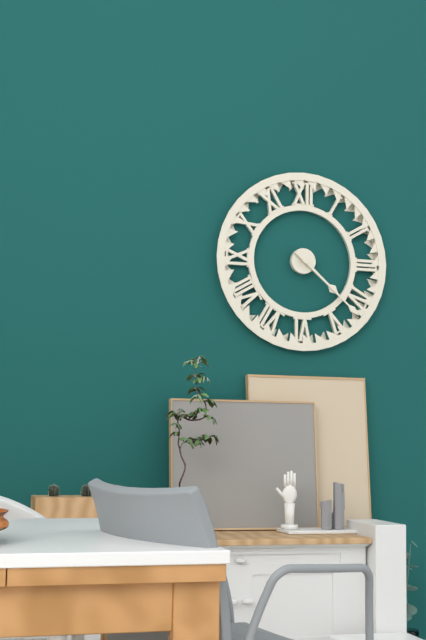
4,22
